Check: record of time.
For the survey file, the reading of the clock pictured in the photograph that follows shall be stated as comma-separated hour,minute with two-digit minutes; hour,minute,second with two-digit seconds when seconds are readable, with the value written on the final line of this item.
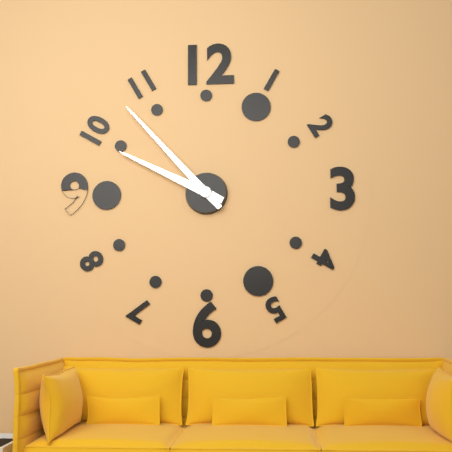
9,53
